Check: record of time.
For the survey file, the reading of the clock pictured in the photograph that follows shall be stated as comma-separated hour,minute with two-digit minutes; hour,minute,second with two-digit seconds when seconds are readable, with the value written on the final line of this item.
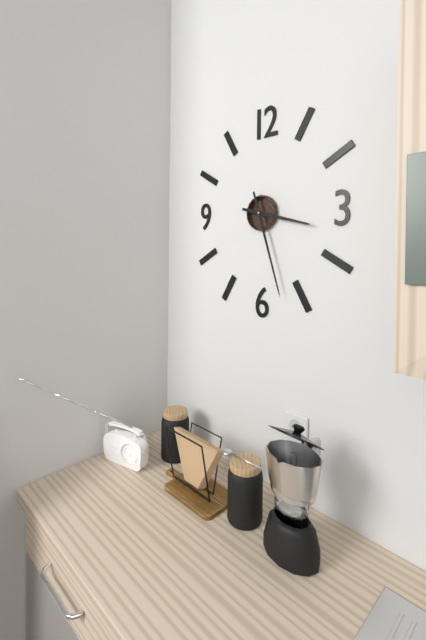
3,27
